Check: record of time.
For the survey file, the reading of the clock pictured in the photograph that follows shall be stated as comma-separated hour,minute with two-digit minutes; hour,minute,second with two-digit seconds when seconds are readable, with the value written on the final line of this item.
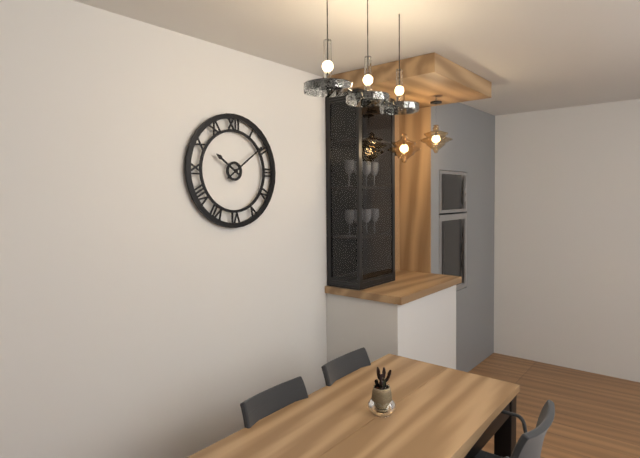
10,09
